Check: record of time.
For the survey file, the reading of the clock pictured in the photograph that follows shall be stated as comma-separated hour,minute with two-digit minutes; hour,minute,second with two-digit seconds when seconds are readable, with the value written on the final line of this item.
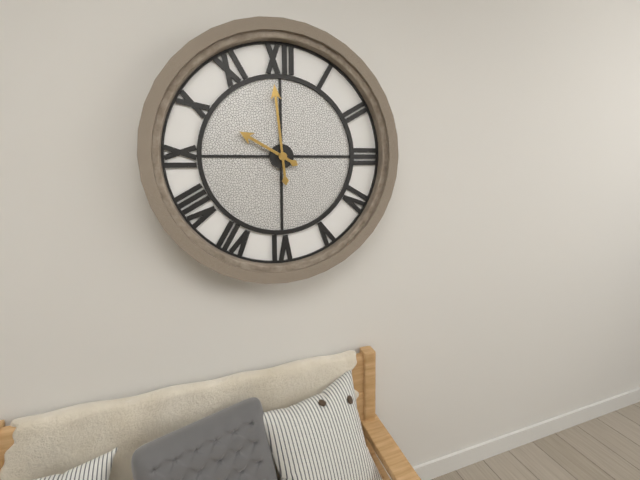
9,59
